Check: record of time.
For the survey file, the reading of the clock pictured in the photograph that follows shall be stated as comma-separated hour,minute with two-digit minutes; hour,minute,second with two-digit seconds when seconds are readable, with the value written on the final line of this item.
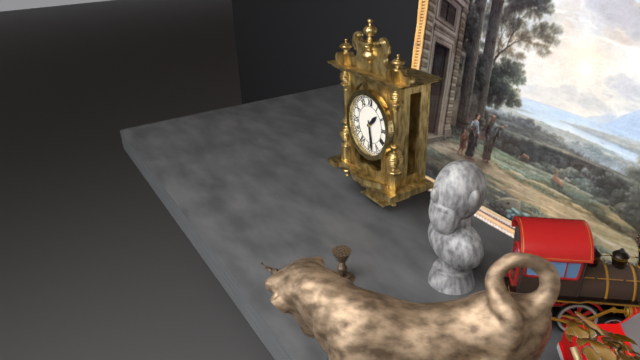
1,28
